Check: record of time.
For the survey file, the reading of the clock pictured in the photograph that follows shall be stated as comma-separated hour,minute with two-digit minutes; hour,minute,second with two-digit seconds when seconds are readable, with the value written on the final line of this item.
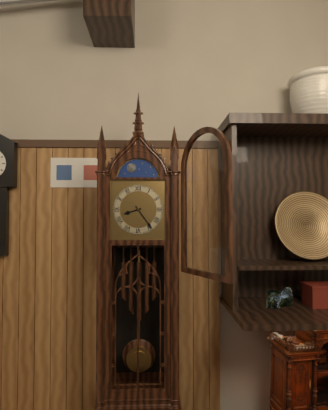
8,24
